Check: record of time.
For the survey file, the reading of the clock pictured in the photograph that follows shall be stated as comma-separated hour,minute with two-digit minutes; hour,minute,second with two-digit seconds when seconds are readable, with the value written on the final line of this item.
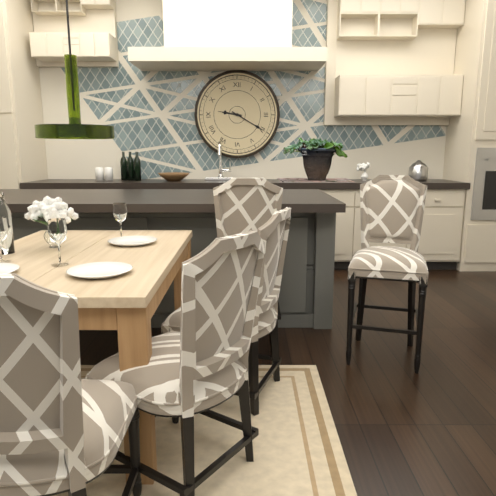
9,20
